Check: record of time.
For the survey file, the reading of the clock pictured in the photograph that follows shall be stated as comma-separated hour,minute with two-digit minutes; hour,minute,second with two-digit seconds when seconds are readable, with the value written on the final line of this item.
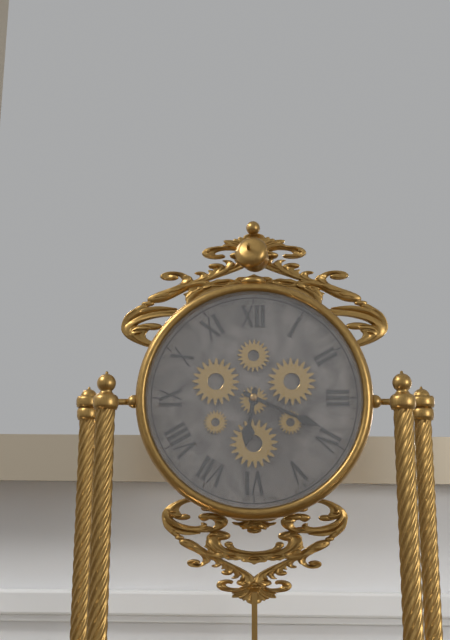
6,19
